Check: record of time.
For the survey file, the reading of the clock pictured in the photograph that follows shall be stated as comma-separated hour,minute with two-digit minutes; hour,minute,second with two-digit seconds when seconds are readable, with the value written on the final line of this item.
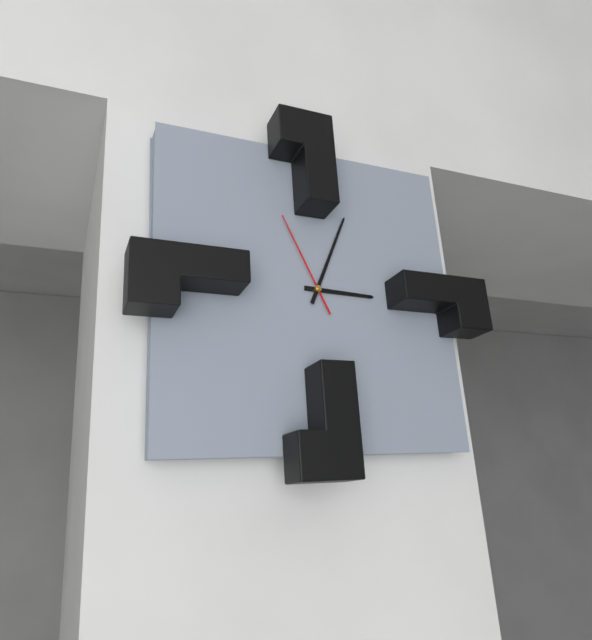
3,04,56
